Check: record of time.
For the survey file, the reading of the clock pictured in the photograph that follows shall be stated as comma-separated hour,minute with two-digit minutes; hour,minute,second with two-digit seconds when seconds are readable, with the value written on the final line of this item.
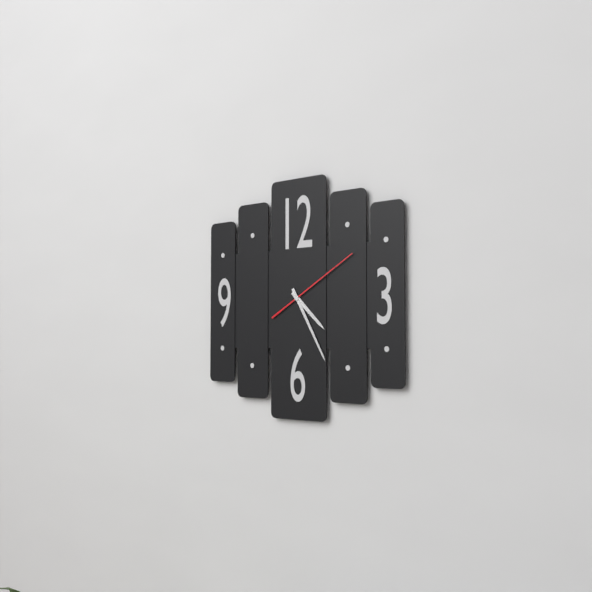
4,25,10
